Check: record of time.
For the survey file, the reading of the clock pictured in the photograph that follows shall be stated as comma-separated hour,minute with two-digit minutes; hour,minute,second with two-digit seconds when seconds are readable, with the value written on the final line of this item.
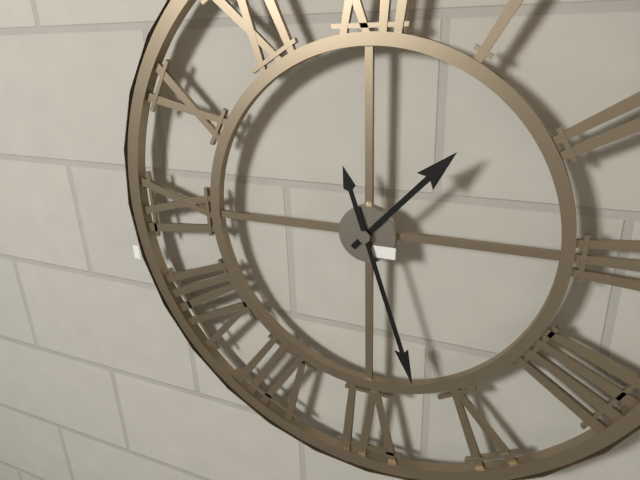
1,27
